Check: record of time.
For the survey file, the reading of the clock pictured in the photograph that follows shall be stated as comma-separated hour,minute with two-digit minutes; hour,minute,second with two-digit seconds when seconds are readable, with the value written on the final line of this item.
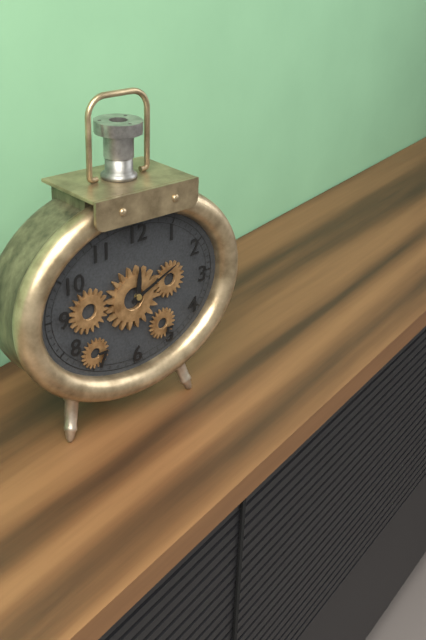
12,11
